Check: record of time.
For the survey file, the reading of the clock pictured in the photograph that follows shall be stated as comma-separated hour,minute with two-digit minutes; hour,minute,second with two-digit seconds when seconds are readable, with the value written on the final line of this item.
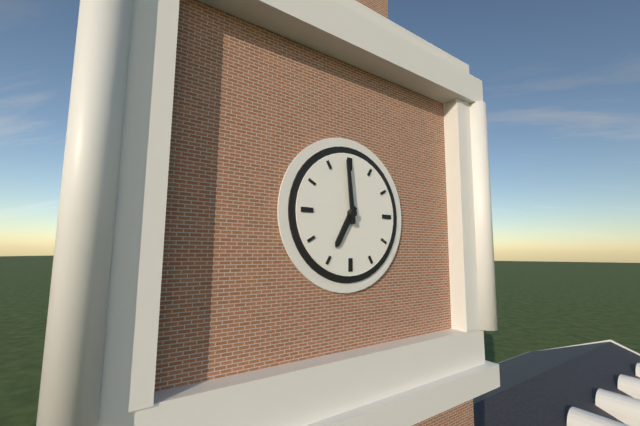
6,59
